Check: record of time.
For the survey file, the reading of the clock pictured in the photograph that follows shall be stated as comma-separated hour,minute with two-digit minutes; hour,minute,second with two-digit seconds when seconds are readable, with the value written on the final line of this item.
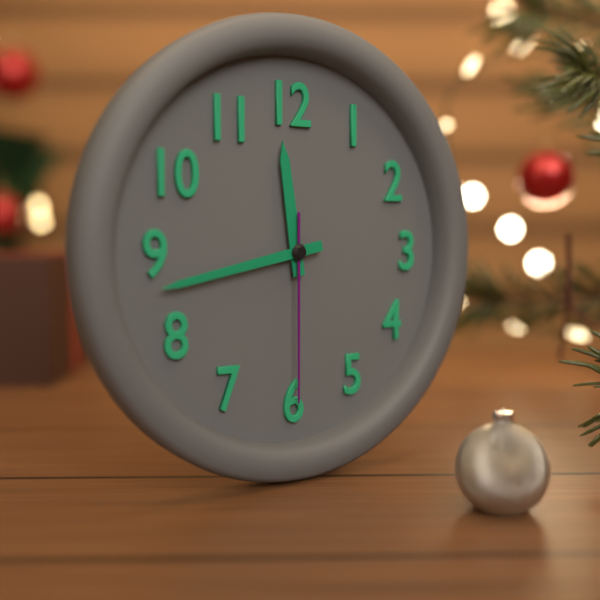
11,43,30
